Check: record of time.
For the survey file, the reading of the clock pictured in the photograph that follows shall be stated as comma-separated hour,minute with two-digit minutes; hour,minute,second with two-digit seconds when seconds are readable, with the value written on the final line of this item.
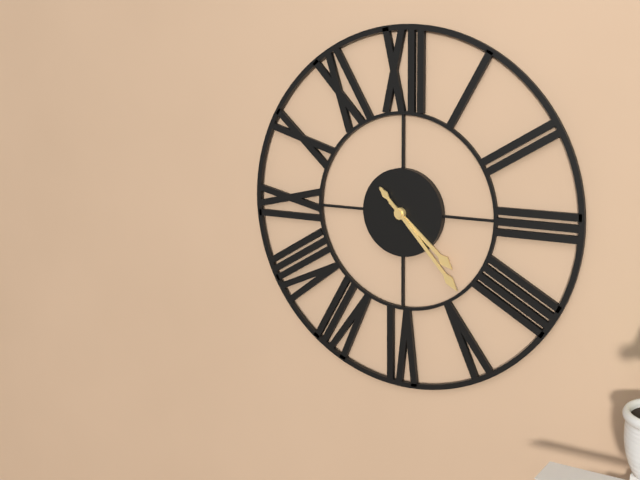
4,23
